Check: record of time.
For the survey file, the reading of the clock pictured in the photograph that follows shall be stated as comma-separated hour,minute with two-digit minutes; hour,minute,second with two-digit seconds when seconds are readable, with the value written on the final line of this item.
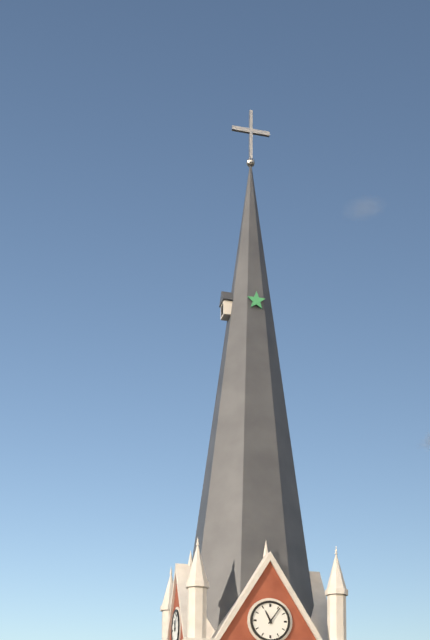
11,06
